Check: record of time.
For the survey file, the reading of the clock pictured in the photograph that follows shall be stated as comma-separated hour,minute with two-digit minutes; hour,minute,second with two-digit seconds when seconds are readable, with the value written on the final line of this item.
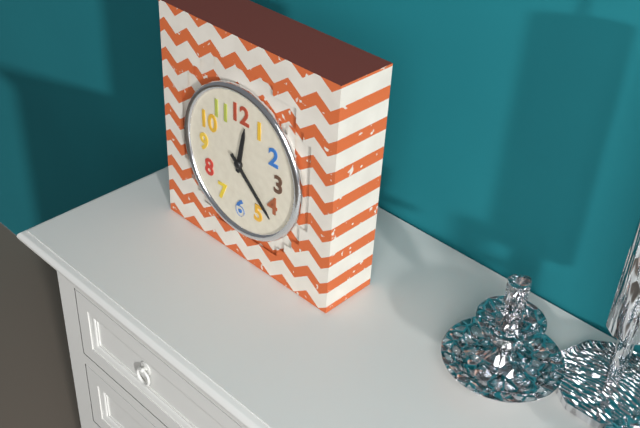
12,22
